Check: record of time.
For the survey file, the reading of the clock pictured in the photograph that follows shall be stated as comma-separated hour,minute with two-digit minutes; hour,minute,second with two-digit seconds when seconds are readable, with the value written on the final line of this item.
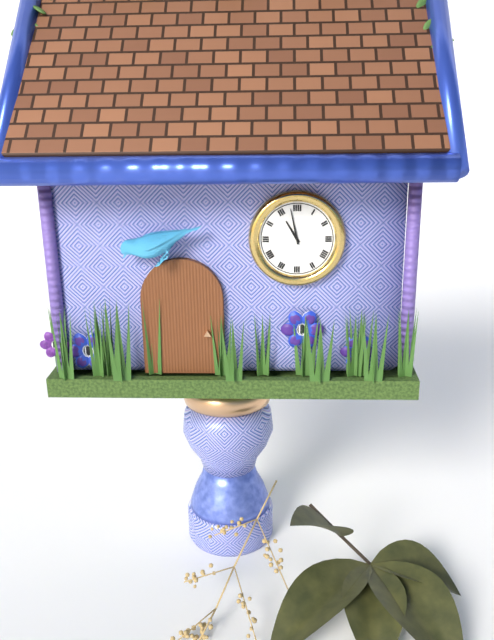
10,58
